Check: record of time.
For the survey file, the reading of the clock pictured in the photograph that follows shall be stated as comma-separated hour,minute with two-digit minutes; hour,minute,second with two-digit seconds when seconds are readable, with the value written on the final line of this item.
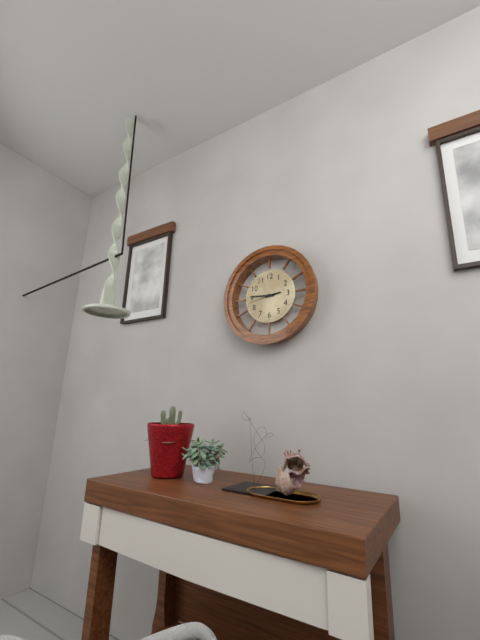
2,46
